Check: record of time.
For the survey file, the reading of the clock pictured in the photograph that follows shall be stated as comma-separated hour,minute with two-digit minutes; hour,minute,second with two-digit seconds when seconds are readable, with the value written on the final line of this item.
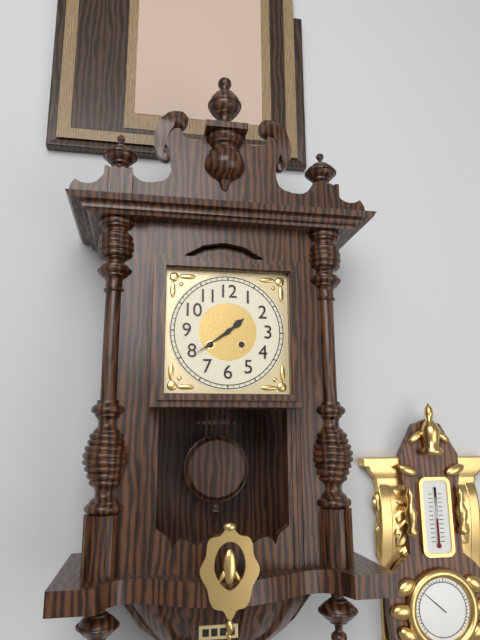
1,39
